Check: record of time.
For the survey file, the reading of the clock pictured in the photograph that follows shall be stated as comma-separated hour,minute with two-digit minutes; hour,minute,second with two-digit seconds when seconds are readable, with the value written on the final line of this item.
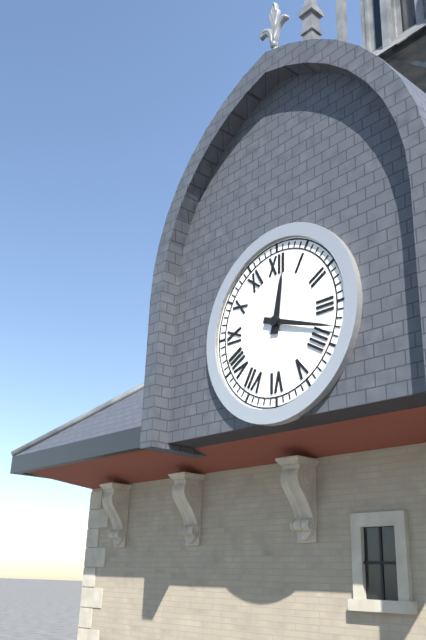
12,18
